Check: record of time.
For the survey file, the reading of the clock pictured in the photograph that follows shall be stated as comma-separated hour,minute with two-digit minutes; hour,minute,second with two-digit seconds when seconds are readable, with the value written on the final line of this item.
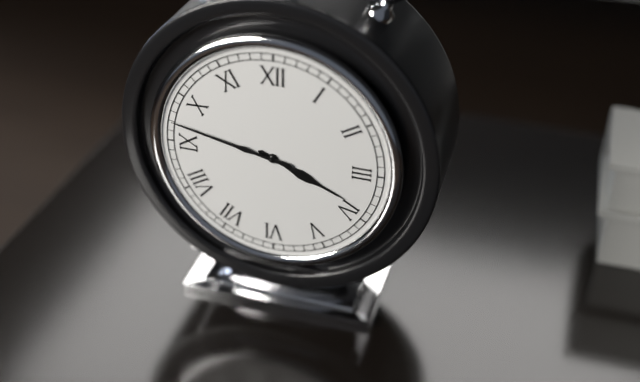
3,47
